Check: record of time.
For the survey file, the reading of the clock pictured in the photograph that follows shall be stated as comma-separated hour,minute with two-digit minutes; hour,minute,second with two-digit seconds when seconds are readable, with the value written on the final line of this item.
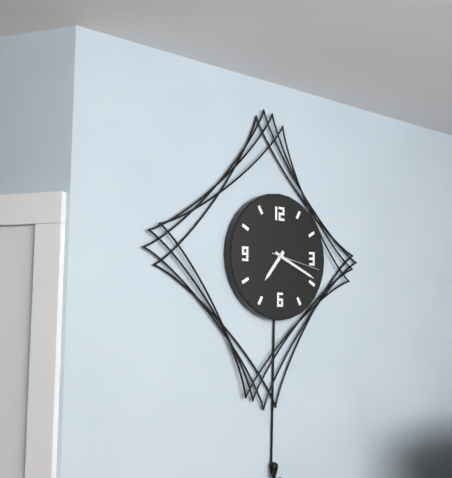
7,19,17
